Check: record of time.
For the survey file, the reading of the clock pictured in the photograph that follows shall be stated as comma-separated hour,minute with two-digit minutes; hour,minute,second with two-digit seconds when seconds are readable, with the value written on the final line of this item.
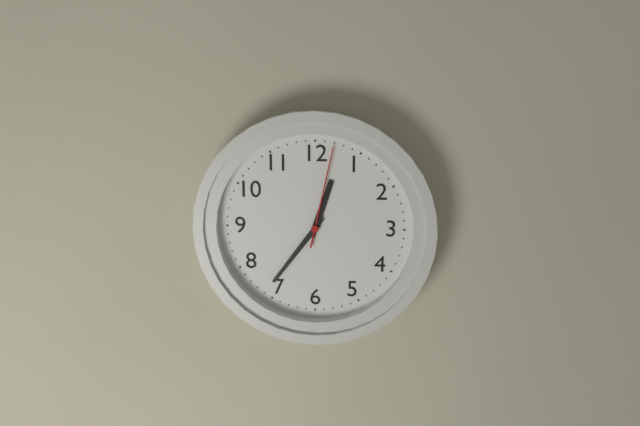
12,36,02
